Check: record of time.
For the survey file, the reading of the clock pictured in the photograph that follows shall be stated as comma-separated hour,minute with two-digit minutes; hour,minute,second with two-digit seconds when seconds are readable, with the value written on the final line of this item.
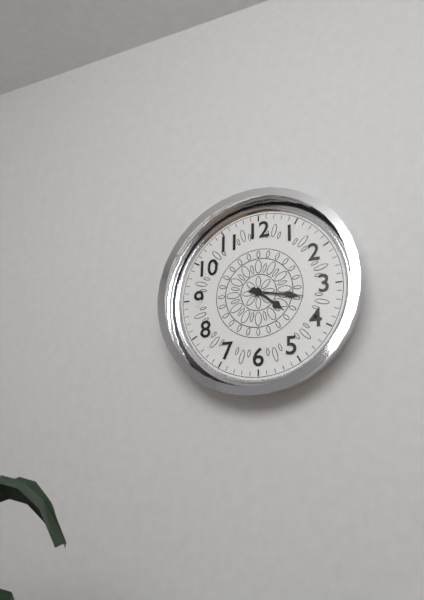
4,17
